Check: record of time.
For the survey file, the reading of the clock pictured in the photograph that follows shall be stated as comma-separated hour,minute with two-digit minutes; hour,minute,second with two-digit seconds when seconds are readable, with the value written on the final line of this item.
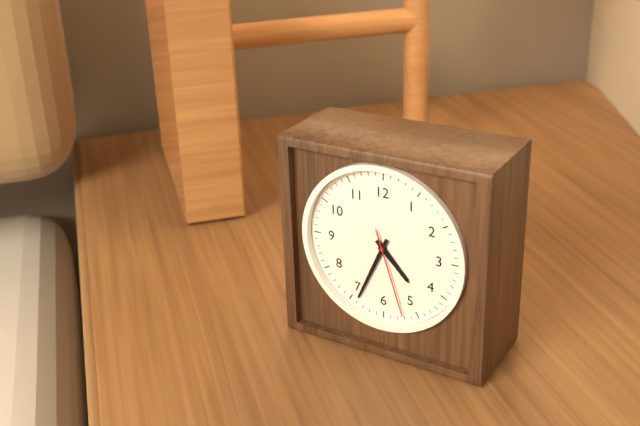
4,34,27
